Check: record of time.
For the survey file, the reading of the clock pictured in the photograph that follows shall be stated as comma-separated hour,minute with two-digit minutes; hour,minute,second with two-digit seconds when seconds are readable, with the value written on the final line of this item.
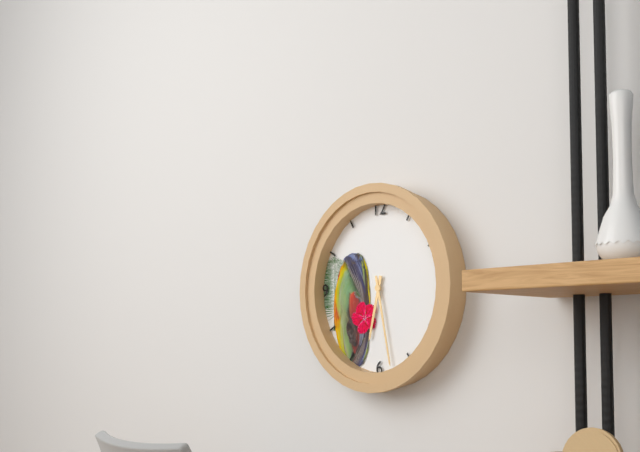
6,28
